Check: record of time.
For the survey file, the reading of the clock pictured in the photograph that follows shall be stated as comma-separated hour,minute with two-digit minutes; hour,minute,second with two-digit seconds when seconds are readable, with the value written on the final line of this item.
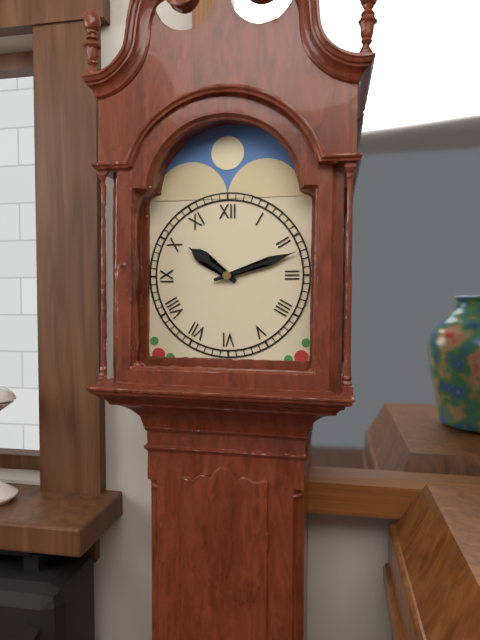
10,12
